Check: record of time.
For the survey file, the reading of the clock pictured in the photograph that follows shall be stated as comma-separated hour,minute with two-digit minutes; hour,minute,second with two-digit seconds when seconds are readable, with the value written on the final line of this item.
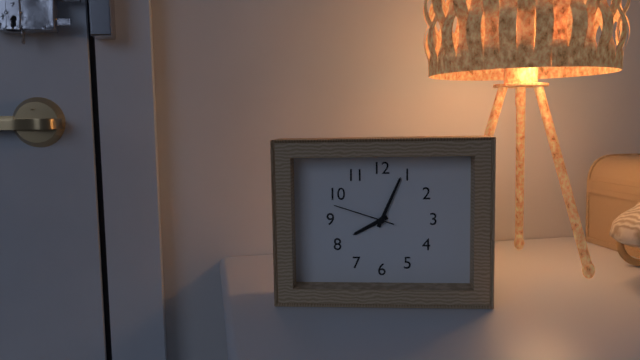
8,04,48
